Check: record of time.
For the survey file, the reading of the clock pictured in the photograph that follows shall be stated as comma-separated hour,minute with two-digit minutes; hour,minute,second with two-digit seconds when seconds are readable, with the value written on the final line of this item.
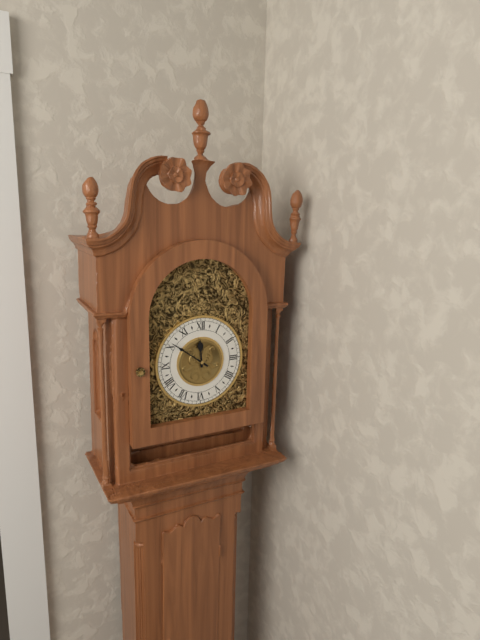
11,51
